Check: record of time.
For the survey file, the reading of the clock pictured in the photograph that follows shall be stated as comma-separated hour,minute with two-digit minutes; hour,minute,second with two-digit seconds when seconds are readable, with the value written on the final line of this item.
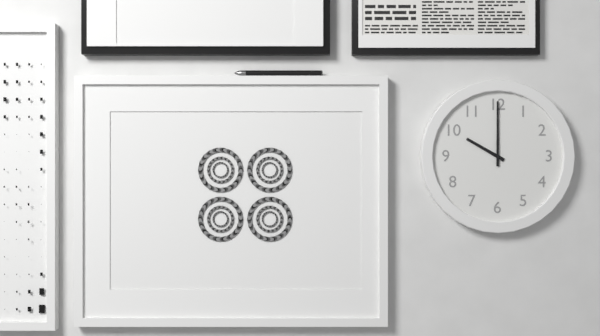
10,00
